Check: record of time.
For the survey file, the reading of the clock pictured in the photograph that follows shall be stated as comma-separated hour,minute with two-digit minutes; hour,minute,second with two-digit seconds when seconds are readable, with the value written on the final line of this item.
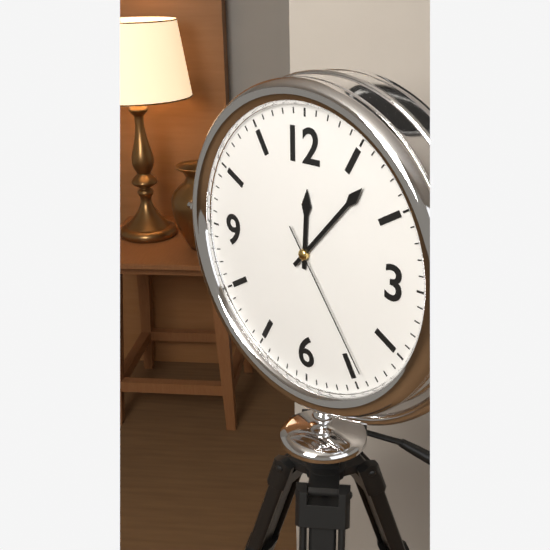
12,07,24
